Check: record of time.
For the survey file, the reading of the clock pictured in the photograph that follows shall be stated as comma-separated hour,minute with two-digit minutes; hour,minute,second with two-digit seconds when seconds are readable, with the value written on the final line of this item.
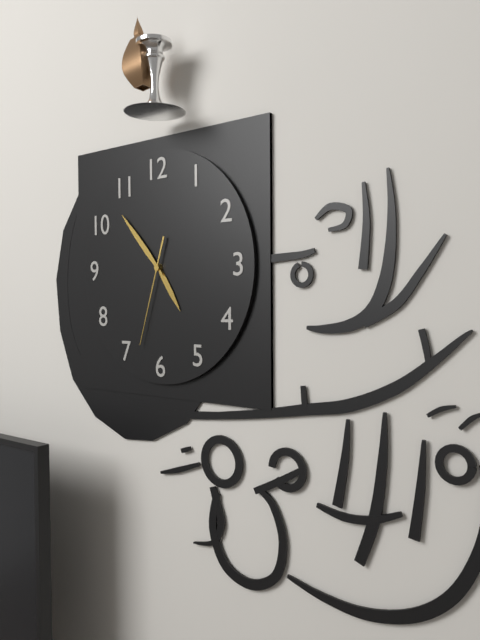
4,53,33
